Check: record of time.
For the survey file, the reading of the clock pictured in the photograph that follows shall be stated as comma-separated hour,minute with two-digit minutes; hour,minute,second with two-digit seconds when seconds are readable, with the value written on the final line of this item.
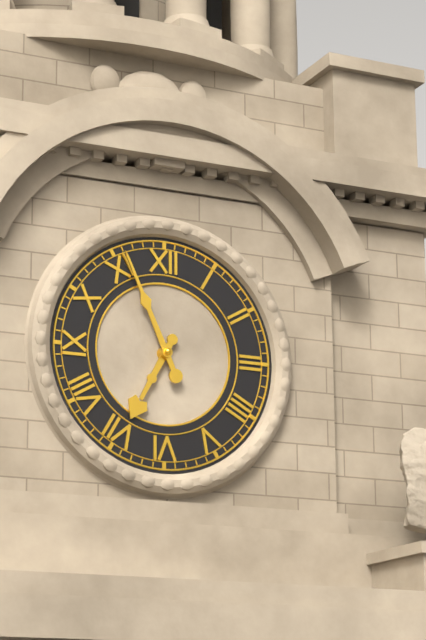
6,56
